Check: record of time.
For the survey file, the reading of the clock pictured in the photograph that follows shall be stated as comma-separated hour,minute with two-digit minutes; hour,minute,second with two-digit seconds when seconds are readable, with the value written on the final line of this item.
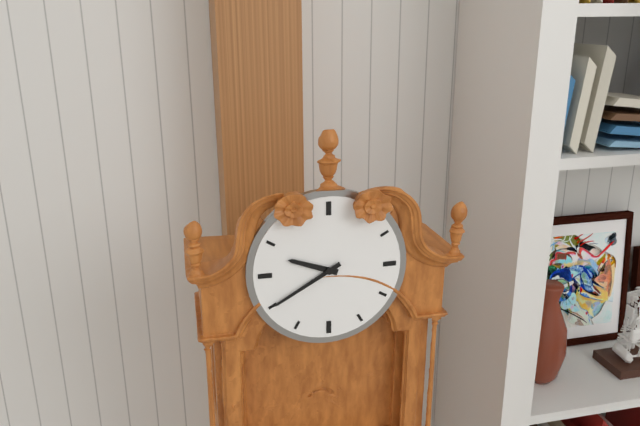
9,40
